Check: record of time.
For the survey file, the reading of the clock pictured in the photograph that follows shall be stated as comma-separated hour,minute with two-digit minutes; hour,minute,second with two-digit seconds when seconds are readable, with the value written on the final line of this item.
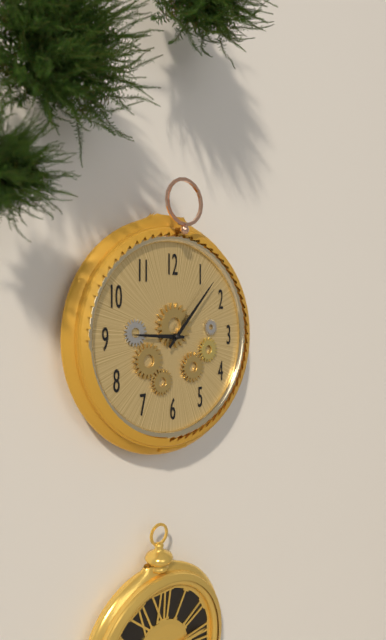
9,07
